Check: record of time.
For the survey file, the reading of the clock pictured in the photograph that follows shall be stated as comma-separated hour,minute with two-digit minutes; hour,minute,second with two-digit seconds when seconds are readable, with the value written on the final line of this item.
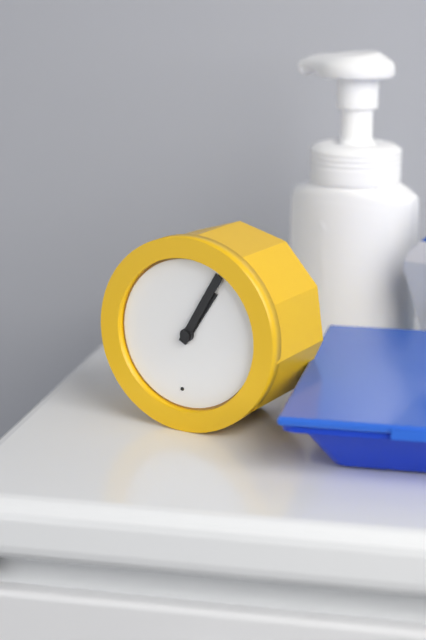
1,05
